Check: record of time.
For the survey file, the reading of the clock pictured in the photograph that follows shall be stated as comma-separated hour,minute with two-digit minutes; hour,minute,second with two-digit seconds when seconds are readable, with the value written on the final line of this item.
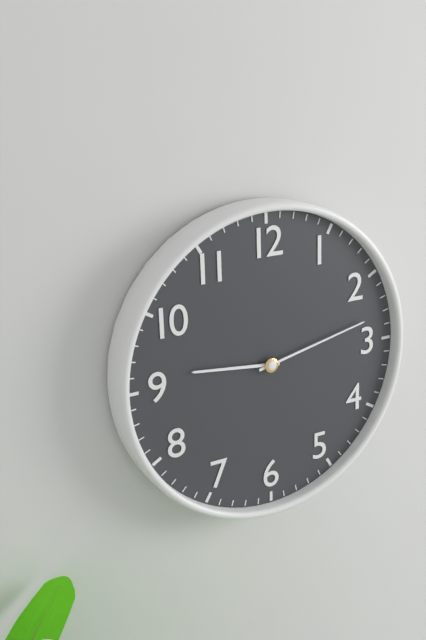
9,13
